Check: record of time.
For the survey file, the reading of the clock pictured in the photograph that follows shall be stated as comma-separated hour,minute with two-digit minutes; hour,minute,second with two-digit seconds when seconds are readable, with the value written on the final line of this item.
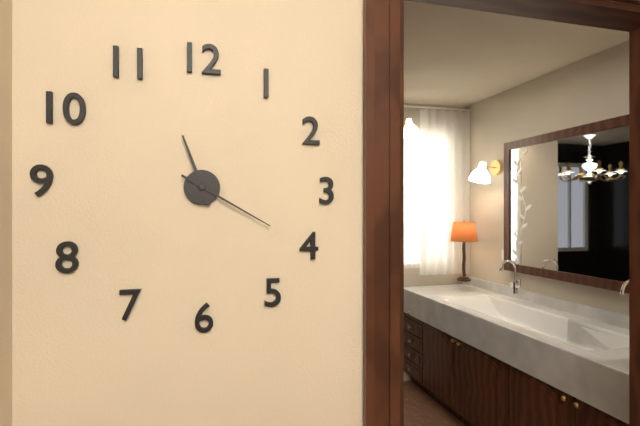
11,20
